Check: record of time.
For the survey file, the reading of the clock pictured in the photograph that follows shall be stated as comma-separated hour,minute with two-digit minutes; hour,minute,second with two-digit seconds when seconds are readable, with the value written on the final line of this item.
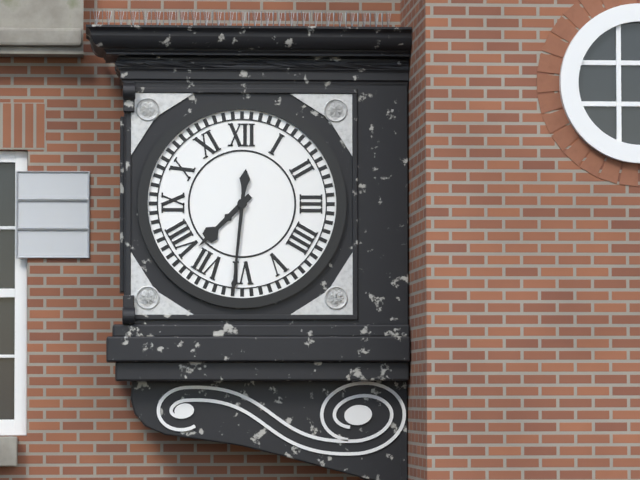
7,31
